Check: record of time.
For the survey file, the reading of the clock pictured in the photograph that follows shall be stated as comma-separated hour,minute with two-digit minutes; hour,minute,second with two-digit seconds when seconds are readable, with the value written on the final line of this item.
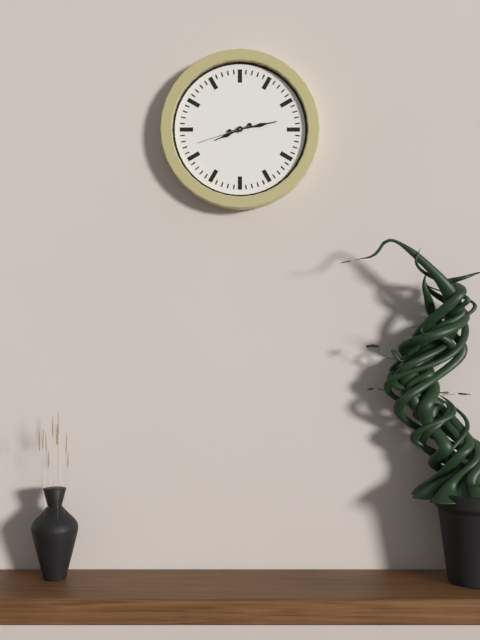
8,13,42
